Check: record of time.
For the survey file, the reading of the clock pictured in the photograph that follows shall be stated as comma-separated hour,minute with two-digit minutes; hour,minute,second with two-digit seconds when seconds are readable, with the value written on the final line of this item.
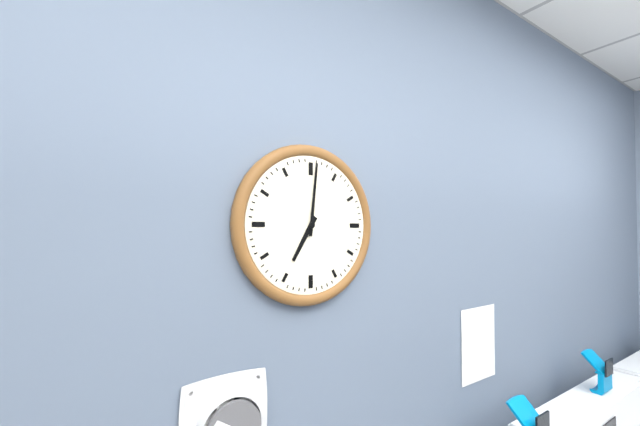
7,01
